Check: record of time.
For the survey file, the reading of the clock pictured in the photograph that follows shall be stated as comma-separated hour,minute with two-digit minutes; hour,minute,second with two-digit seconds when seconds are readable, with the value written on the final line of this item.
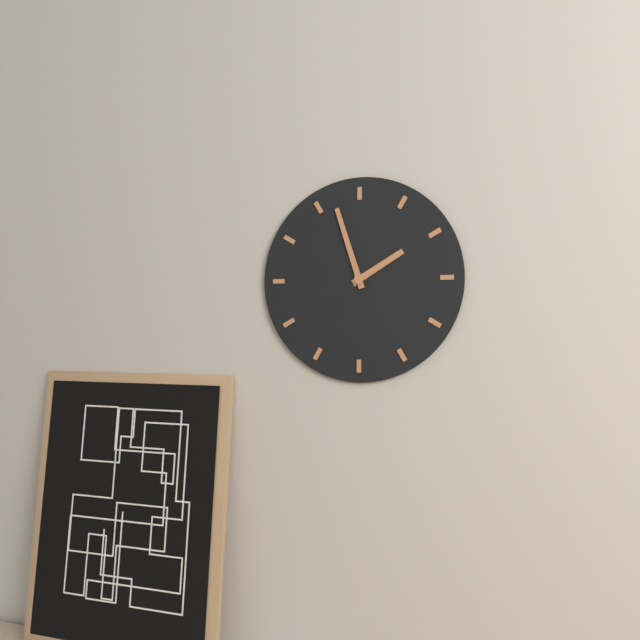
1,57
